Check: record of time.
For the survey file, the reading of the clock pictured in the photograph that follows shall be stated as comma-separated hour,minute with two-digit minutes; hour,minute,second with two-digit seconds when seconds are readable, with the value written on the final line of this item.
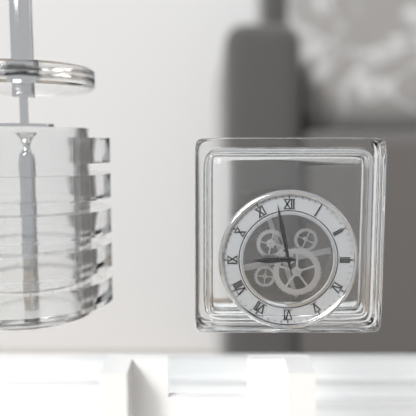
8,58
